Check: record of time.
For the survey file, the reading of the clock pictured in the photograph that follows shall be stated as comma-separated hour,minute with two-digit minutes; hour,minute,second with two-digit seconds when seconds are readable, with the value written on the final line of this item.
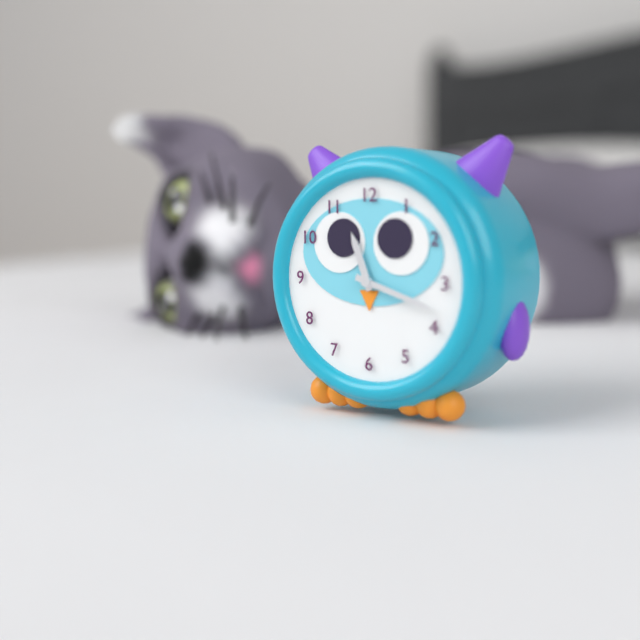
11,18
